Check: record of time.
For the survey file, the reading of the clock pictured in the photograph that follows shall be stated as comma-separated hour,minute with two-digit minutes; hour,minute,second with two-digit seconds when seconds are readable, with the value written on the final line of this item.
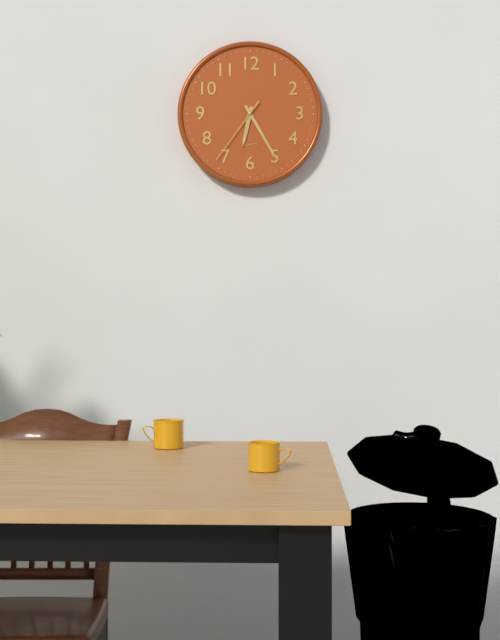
6,25,36
